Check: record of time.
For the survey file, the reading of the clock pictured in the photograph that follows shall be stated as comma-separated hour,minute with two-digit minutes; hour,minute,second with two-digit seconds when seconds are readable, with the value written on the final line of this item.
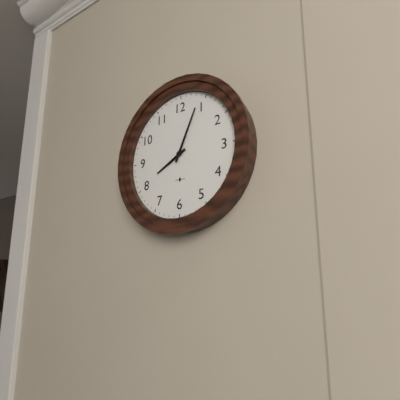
8,04
